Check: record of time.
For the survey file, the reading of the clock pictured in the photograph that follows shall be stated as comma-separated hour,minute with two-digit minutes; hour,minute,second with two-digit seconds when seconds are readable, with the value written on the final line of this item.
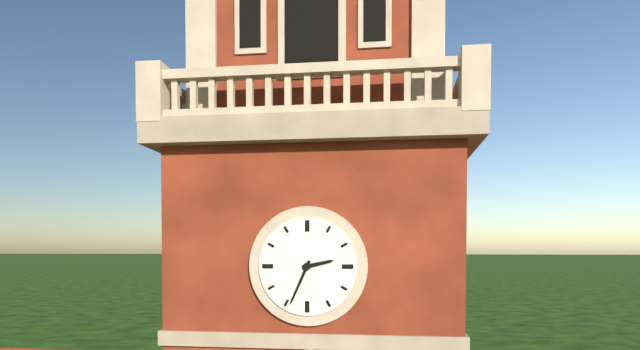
2,34
